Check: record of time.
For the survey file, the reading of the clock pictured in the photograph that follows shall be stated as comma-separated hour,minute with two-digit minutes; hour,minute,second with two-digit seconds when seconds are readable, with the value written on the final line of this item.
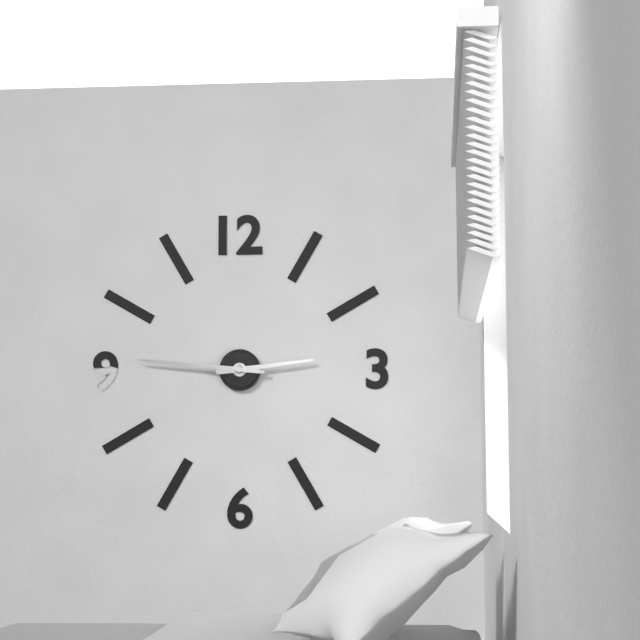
2,46
